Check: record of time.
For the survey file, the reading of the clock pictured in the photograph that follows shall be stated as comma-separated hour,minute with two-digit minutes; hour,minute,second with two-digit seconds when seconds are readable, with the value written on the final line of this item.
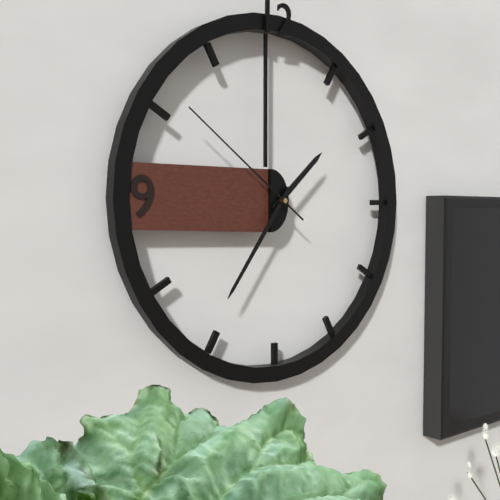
1,36,51
